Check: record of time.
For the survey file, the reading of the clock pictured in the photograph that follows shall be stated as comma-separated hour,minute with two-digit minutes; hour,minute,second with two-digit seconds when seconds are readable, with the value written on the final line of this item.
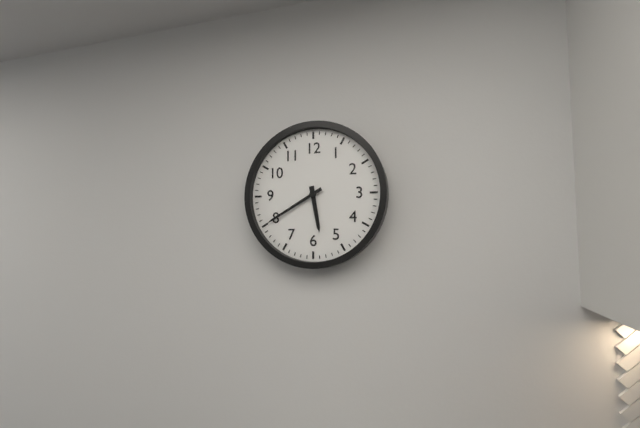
5,40
